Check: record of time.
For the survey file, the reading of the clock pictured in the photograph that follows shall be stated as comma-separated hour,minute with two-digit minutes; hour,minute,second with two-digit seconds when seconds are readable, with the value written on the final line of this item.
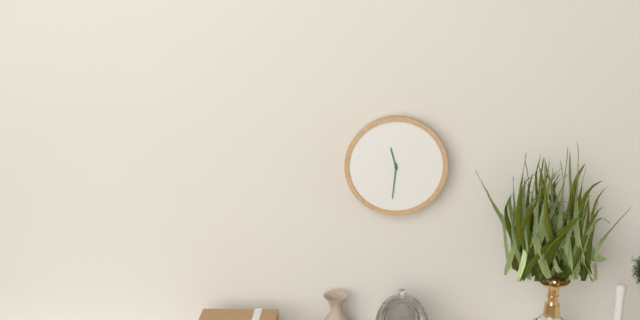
11,31
